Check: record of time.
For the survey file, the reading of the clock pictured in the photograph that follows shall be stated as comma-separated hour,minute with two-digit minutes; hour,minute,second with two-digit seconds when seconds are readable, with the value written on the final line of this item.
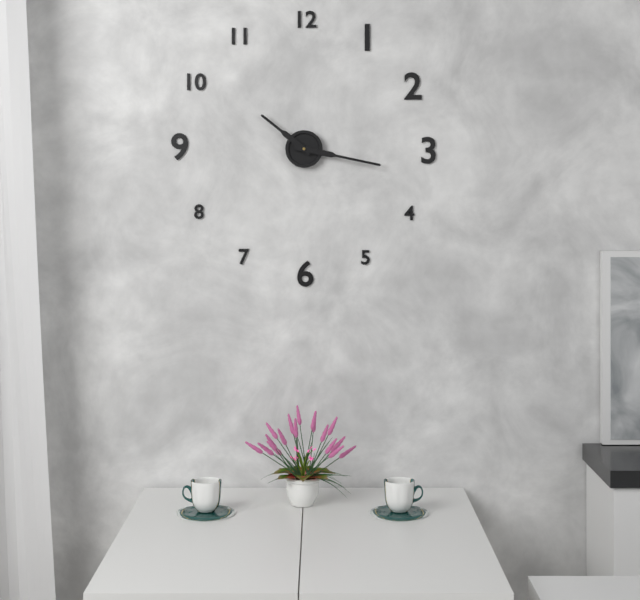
10,17
